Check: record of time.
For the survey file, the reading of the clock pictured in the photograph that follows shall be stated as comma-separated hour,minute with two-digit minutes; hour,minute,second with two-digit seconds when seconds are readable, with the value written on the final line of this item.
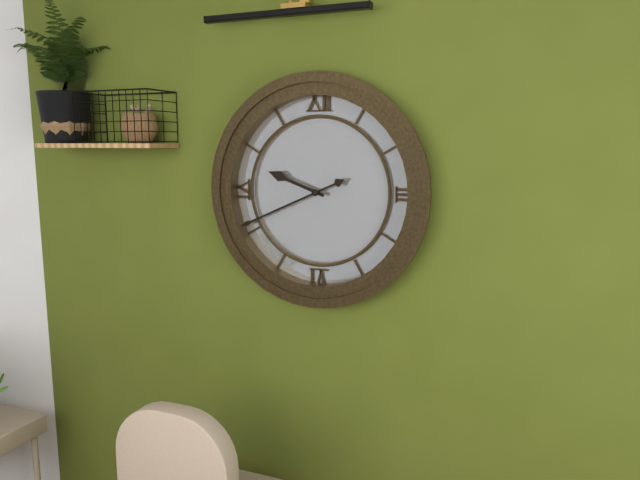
9,41
